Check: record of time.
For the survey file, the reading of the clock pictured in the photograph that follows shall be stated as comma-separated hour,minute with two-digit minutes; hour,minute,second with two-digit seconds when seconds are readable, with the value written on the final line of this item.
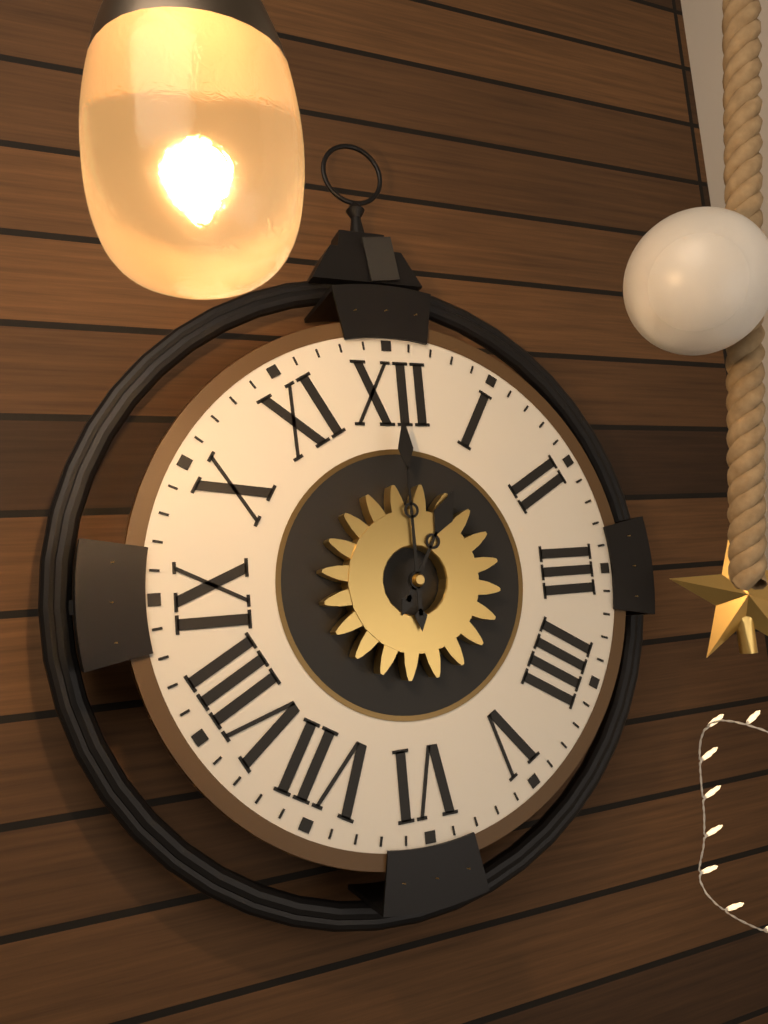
1,00
